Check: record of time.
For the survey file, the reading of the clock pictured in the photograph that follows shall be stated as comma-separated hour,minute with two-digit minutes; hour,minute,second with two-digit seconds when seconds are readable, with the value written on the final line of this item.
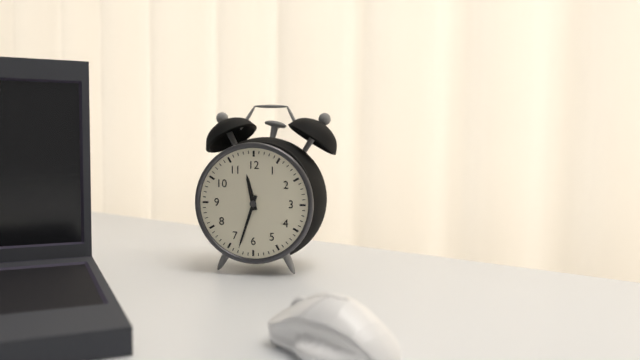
11,33
